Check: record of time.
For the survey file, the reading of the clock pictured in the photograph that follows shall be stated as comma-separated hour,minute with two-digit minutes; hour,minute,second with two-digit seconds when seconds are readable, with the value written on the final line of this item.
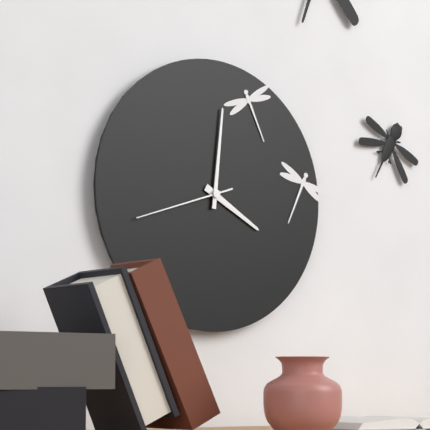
4,01,42
